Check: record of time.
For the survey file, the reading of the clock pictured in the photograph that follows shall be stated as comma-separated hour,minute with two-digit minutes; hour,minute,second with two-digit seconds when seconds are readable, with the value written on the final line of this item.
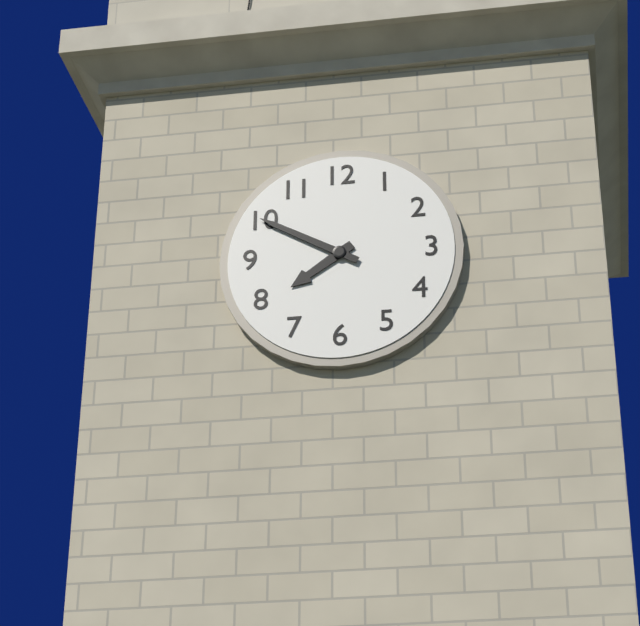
7,50
